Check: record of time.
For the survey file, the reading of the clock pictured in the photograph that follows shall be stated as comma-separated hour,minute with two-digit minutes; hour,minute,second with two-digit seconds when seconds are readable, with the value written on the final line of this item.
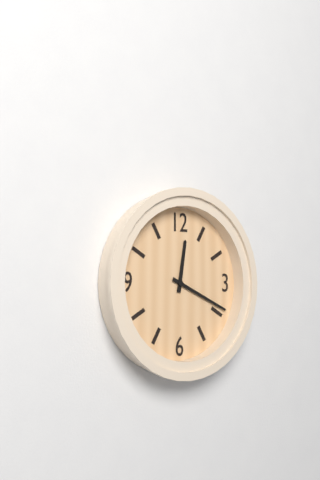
12,19
